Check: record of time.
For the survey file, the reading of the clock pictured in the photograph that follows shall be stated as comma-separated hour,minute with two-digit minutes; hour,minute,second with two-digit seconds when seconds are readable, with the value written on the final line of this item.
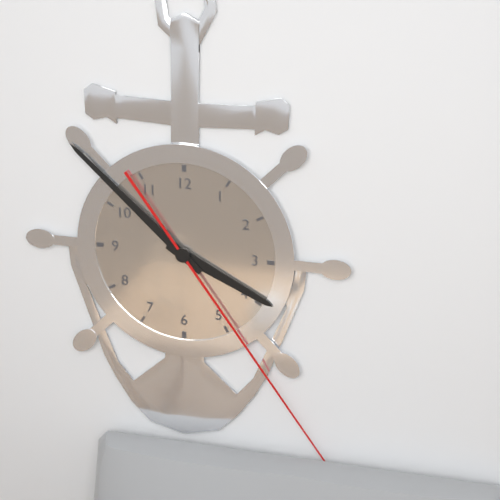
3,52,24
